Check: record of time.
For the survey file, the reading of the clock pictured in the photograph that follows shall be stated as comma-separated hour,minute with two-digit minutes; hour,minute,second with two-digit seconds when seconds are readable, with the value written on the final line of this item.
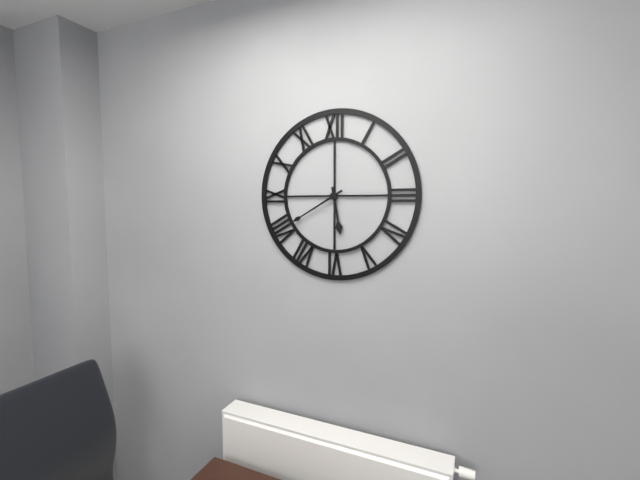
5,40
